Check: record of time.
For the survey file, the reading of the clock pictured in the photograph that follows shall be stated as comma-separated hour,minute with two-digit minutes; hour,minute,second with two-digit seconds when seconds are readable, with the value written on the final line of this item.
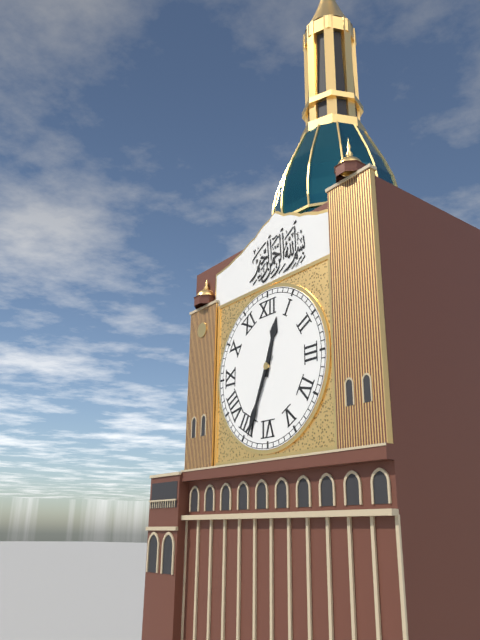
12,34
